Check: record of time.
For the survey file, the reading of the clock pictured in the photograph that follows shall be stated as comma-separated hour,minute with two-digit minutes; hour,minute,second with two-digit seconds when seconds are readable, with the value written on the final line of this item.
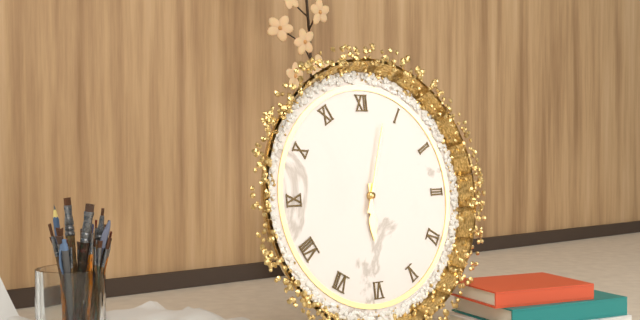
6,03
